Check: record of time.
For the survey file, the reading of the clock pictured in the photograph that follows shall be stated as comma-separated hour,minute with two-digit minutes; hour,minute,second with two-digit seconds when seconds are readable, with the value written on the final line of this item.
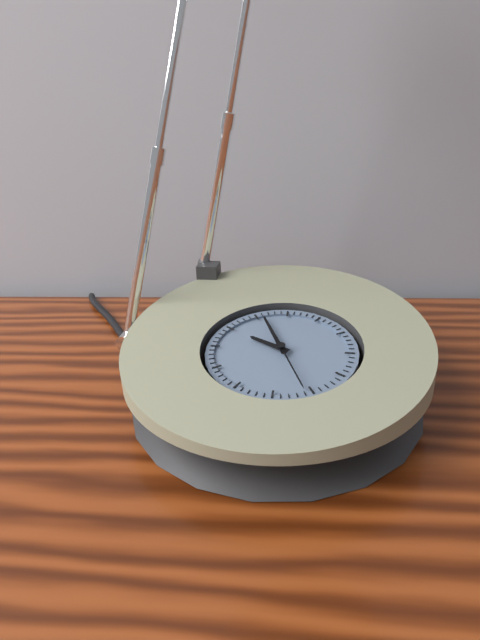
9,56,26
